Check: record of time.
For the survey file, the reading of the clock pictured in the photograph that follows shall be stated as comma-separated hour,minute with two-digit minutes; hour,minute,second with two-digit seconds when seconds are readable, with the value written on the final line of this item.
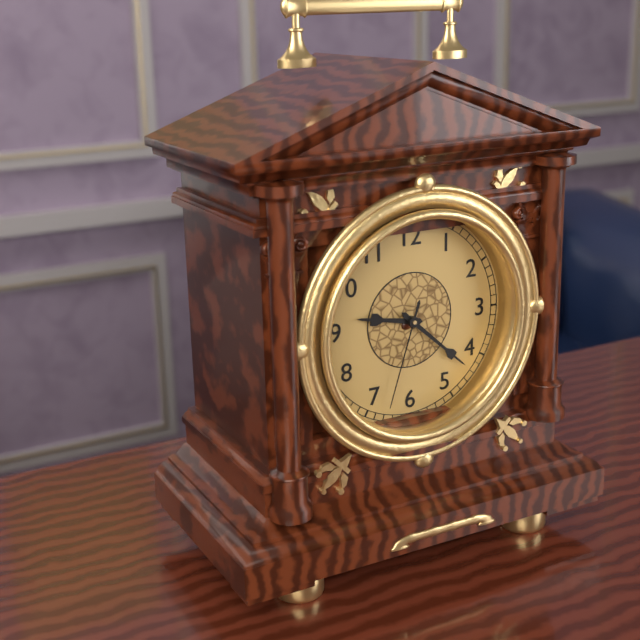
9,22,33
